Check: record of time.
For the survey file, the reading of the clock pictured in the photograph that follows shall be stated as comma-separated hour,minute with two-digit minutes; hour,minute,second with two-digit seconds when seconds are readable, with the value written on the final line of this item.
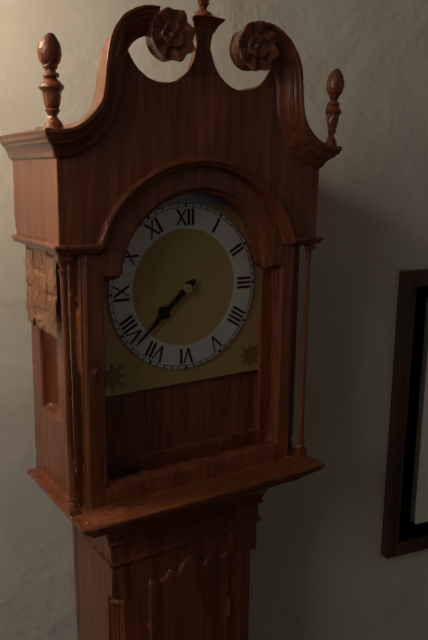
7,38
